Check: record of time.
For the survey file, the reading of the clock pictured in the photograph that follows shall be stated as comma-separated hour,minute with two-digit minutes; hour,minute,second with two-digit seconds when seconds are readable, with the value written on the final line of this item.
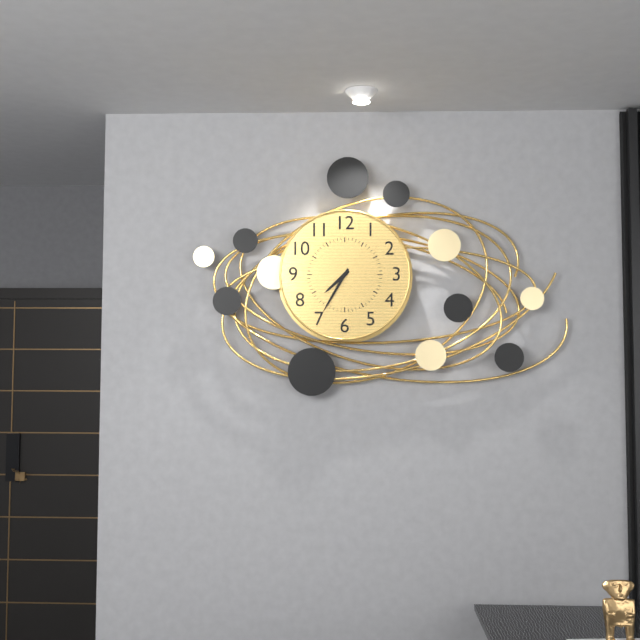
7,35
